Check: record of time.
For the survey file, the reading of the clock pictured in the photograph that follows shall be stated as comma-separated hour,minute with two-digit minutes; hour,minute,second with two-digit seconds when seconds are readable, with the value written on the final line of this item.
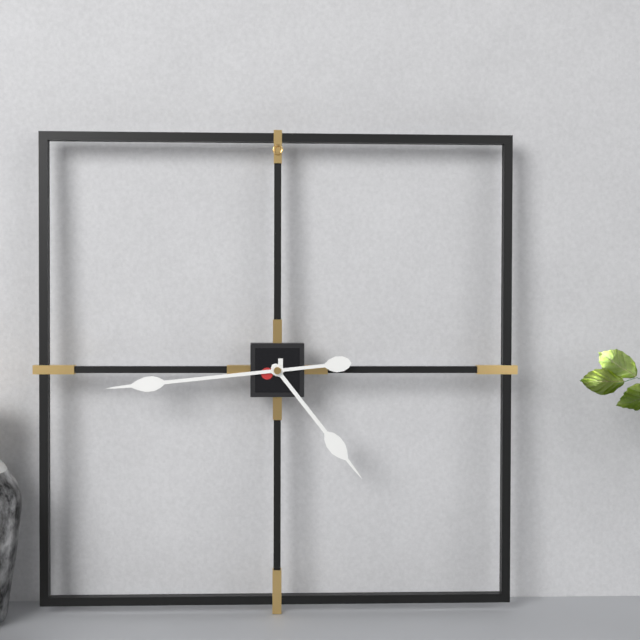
4,44
